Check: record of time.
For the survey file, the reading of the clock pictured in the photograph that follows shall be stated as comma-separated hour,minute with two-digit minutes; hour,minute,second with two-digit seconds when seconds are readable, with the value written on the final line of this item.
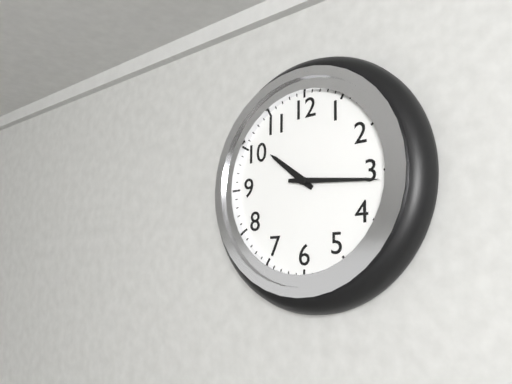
10,16
